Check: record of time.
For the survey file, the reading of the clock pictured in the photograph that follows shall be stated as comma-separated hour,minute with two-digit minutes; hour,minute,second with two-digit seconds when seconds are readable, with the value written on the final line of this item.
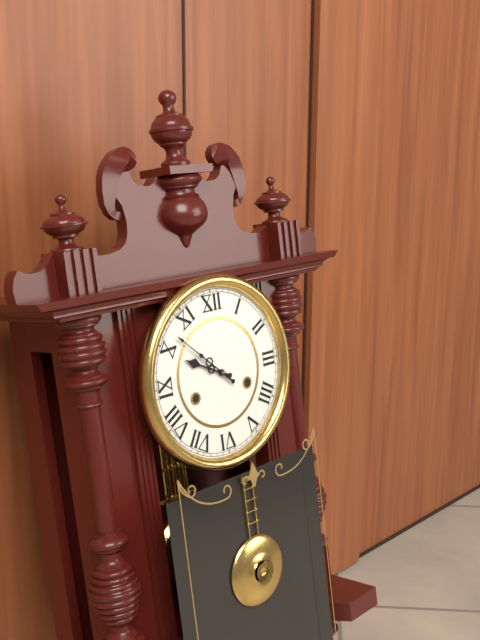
9,52
